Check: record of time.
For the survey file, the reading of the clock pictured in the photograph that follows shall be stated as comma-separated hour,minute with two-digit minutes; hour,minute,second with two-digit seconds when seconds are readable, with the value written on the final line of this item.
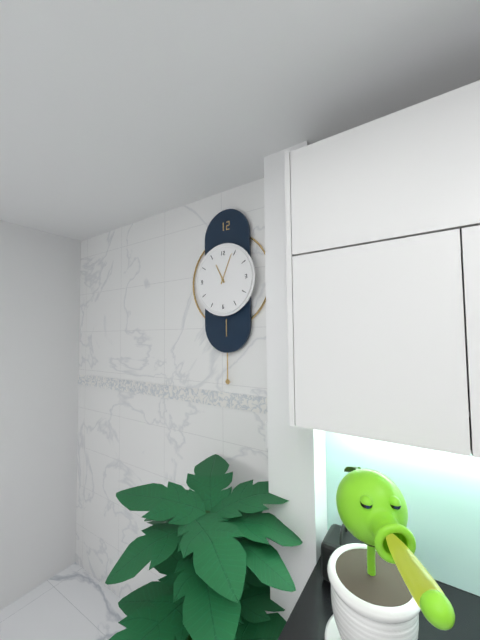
11,04
